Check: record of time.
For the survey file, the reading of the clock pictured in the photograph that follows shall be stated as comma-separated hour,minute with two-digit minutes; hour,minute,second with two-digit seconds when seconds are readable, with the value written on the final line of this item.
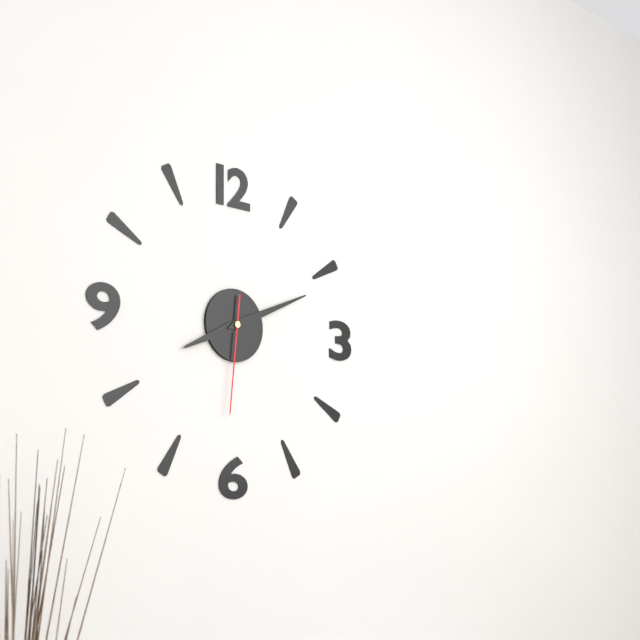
8,11,31
